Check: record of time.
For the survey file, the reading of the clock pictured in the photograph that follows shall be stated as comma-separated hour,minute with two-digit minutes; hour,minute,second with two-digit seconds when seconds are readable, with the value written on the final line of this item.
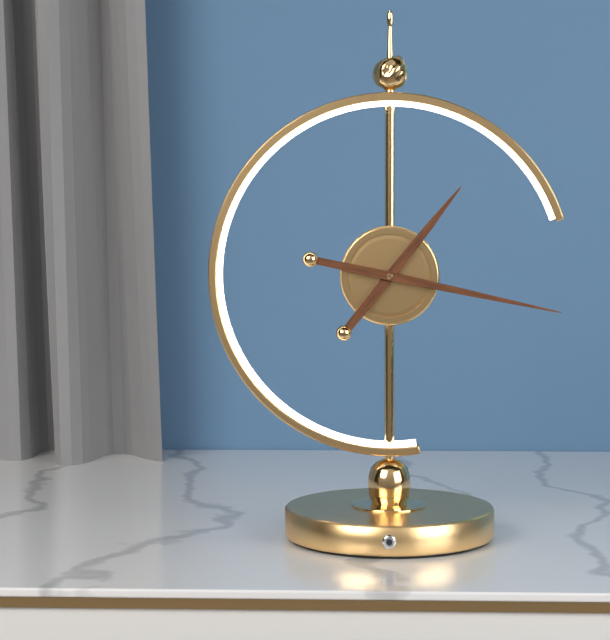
1,17
